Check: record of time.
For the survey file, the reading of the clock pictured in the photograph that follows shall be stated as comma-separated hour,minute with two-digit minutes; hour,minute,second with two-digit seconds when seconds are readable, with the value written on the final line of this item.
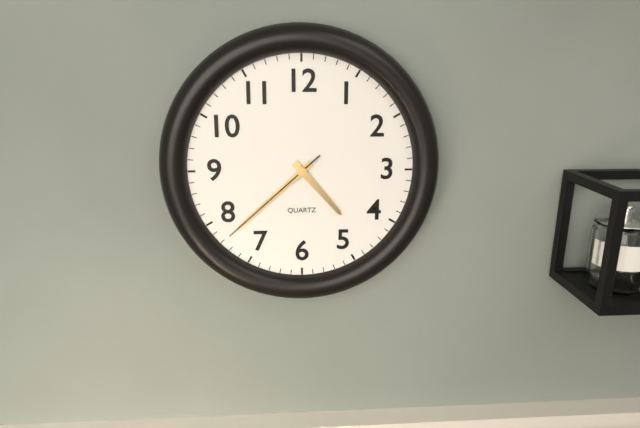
4,38,38
